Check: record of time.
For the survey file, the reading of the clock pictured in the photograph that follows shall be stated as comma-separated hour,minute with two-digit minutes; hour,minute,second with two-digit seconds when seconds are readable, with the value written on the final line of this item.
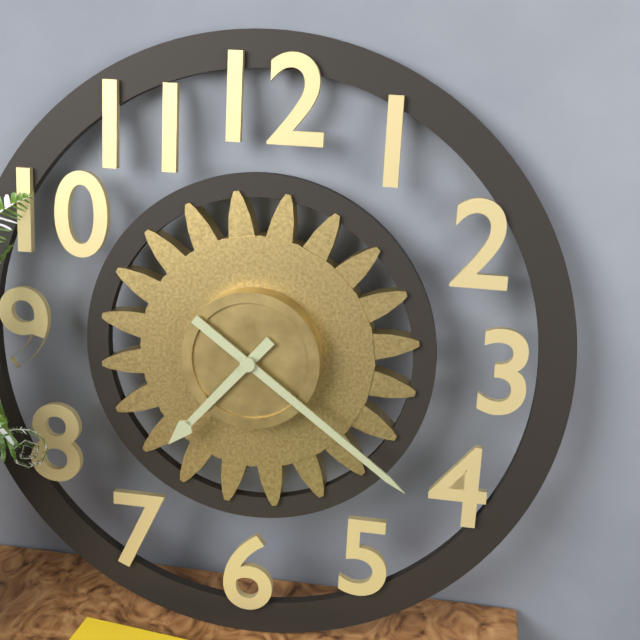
7,21
